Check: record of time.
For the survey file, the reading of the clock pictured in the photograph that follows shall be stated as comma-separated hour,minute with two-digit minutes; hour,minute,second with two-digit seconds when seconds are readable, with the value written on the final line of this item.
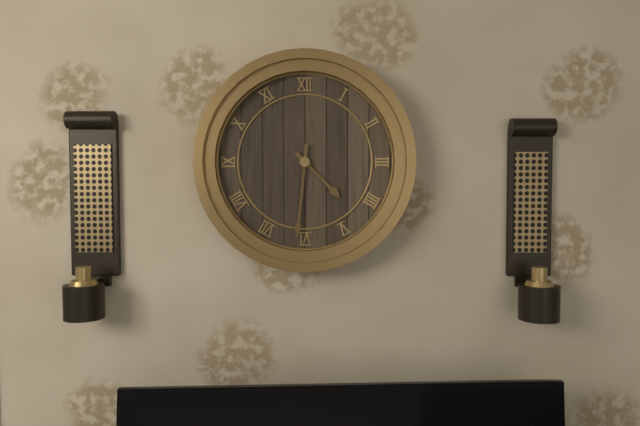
4,31
